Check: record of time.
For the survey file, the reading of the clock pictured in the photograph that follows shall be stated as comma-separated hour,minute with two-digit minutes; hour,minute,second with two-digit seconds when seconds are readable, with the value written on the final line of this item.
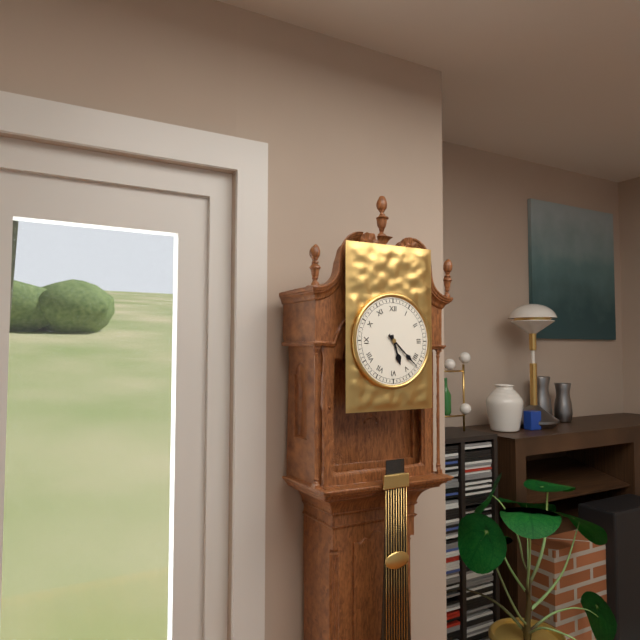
5,22
